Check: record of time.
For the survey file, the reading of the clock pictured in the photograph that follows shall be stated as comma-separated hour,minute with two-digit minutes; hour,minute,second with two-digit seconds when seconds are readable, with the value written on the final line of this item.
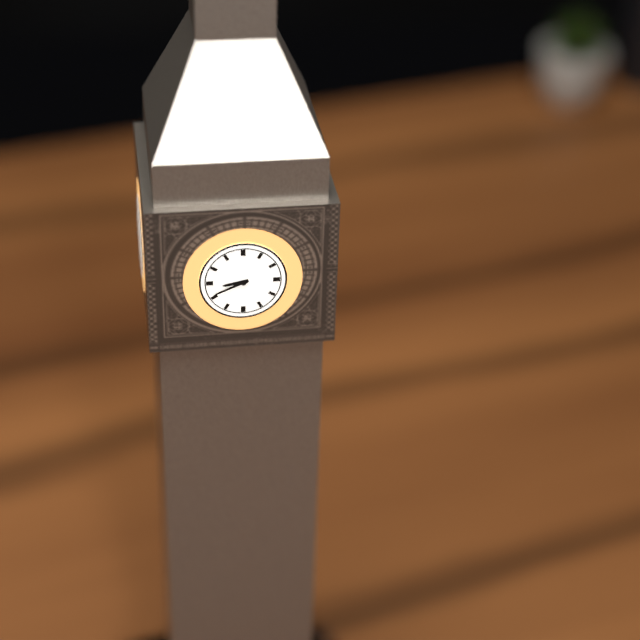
8,41
